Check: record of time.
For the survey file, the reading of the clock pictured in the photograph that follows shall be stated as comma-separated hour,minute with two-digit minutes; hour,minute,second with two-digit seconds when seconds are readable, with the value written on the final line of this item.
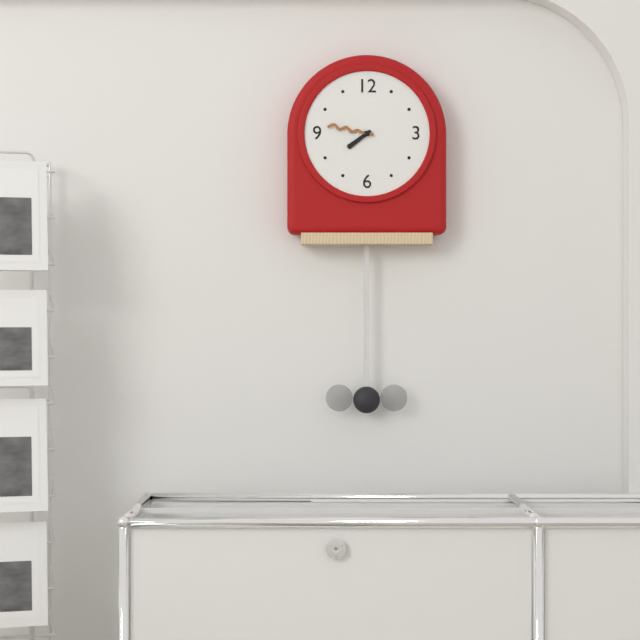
7,47
